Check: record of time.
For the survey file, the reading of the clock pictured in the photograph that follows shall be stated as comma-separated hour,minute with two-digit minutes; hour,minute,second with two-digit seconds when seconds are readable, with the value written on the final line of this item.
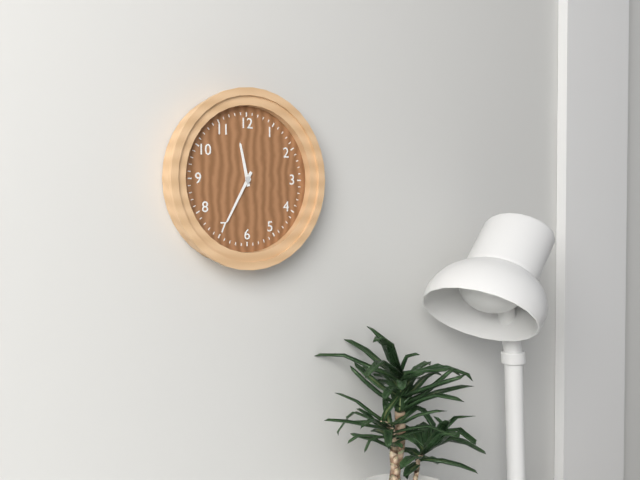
11,35
